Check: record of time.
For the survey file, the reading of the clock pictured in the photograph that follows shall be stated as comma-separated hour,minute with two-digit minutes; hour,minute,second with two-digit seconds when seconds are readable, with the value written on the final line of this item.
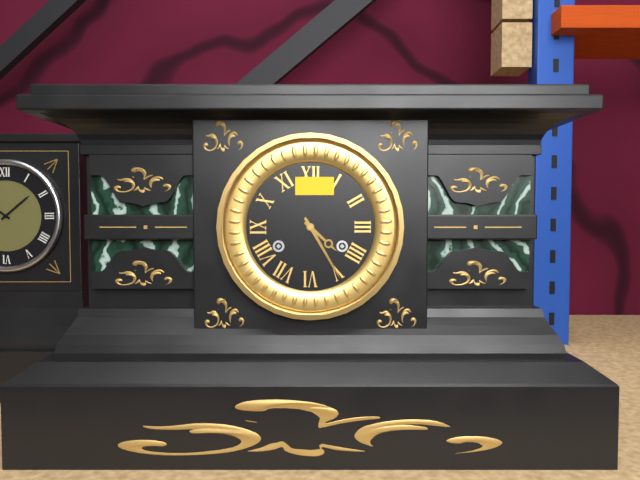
4,25
